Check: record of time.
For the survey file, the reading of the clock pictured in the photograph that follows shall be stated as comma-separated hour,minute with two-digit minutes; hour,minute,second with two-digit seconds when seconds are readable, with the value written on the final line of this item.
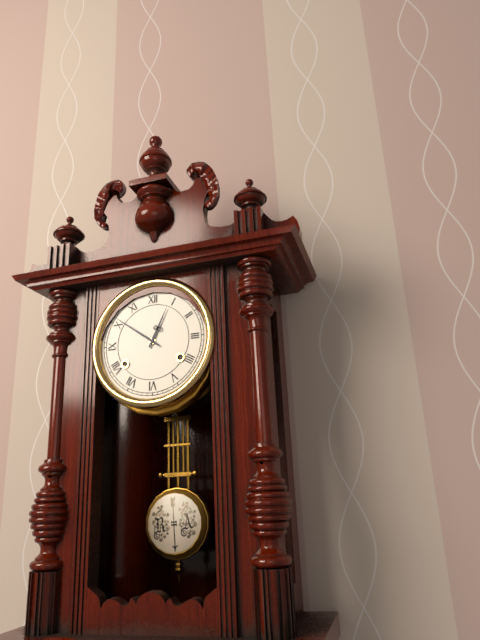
12,51
